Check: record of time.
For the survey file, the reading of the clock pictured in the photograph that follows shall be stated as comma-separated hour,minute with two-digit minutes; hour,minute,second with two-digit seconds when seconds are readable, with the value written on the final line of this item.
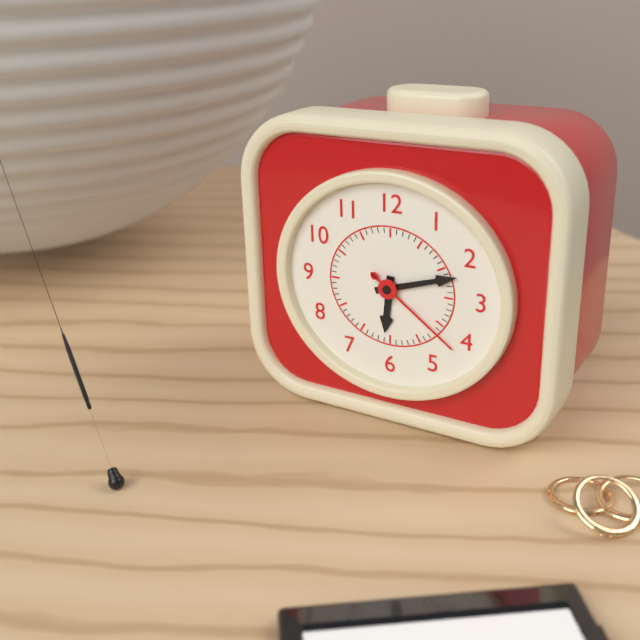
6,12,21
